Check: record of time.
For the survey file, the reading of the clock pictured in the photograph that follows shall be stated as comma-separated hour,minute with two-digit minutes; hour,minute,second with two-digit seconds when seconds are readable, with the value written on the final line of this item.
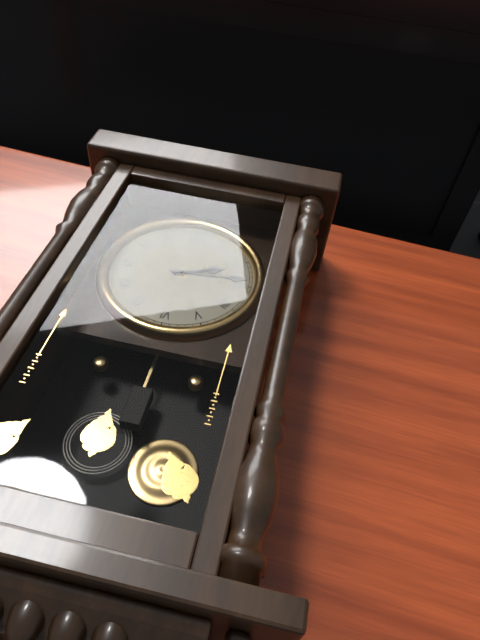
2,14
